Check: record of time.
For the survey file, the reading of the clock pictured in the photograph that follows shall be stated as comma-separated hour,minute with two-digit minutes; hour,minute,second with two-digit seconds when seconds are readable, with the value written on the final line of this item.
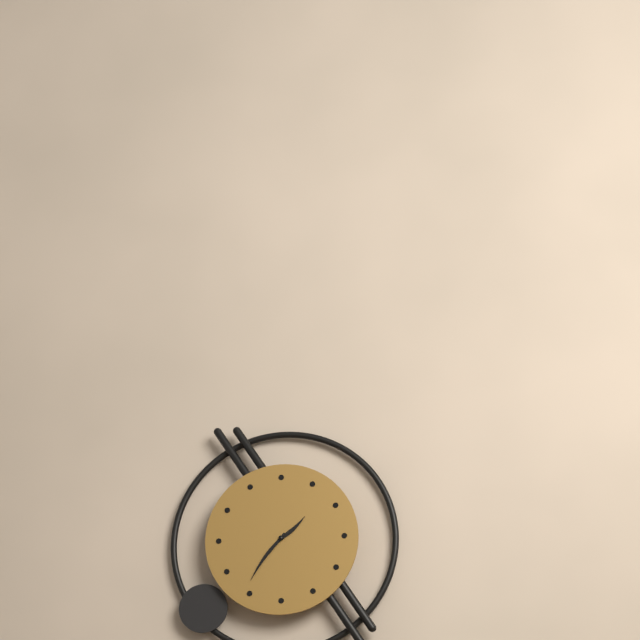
1,36
